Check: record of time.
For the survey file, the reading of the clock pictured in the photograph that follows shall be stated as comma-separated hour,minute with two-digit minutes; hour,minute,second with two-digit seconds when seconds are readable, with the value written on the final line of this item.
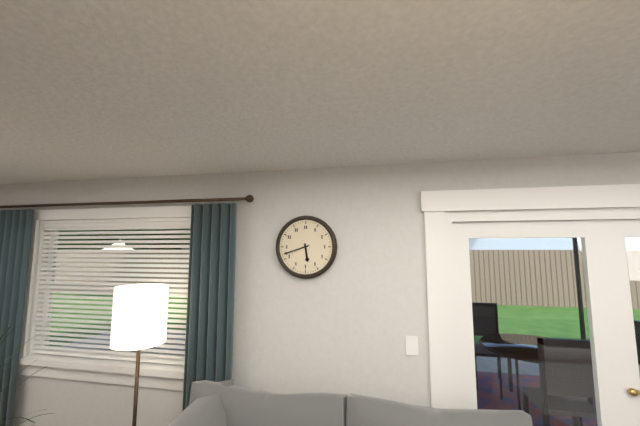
5,42
